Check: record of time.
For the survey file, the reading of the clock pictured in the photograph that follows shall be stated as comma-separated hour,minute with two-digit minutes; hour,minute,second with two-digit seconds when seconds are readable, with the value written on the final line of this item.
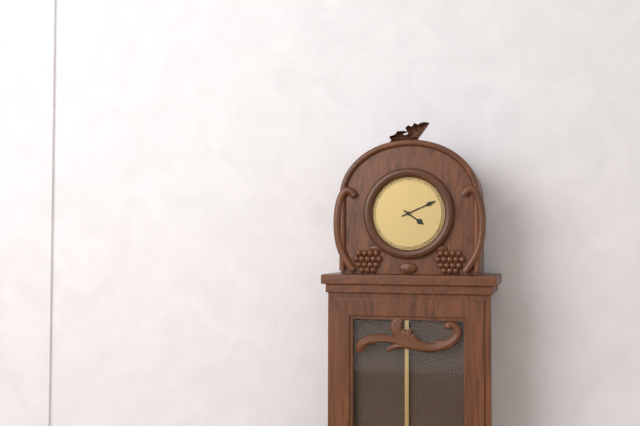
4,11
